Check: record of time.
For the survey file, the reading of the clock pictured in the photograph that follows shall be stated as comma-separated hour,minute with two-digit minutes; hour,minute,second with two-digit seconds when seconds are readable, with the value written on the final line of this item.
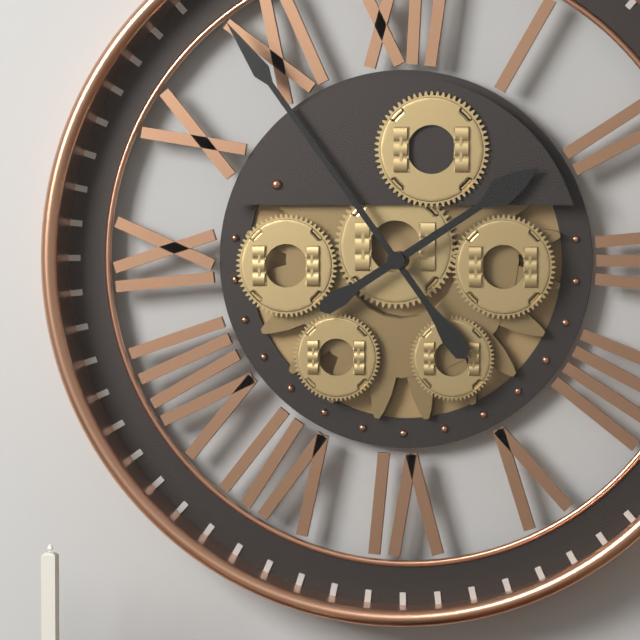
1,54
